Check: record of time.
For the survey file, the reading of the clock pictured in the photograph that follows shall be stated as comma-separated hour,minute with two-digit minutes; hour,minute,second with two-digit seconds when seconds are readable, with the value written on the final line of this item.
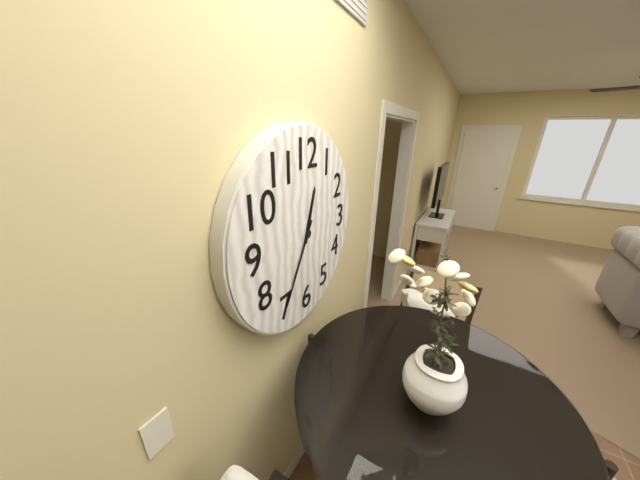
12,35
